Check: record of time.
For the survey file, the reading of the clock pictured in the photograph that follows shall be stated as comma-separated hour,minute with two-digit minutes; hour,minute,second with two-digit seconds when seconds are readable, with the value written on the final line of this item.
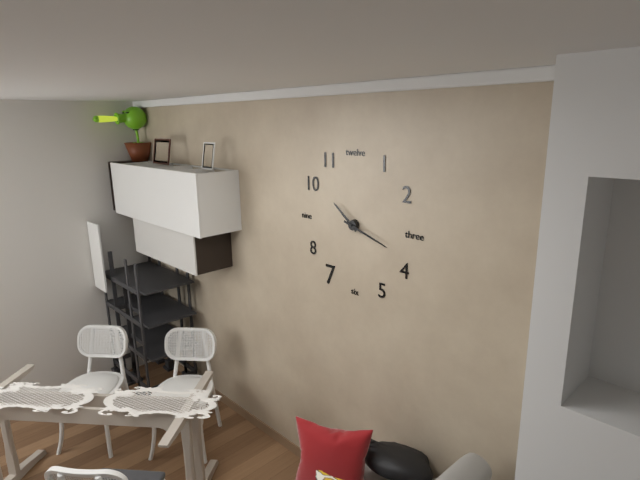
10,18
